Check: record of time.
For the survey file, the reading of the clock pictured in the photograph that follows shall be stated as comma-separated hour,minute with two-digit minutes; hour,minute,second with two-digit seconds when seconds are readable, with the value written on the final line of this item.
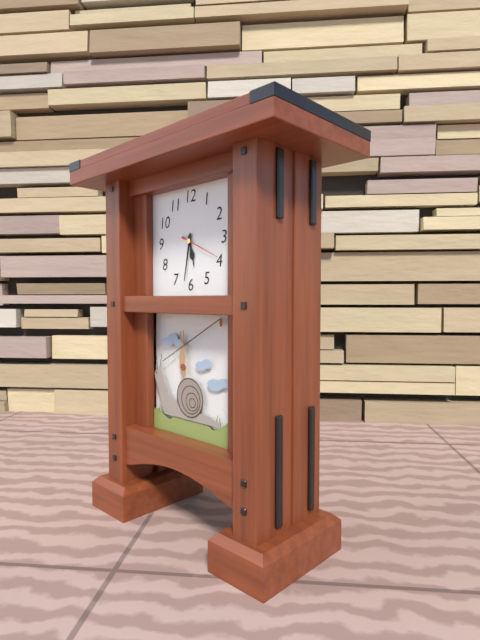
5,32
